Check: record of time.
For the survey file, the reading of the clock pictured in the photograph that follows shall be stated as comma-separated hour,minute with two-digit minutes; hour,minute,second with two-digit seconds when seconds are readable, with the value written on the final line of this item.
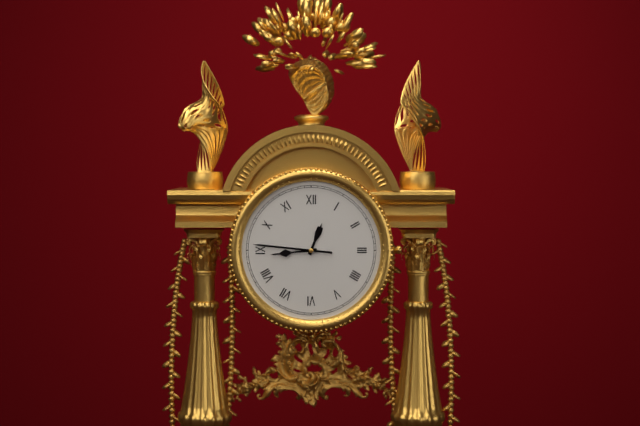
12,44,46
